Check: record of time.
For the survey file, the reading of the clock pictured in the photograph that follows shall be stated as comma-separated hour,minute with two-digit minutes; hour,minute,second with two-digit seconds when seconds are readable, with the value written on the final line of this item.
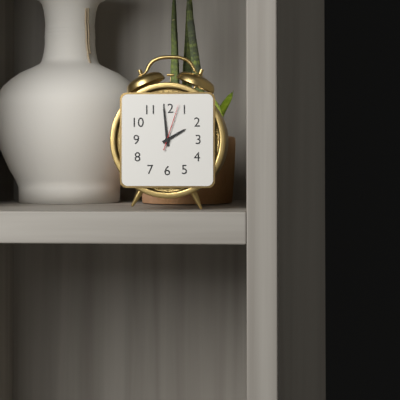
1,59
